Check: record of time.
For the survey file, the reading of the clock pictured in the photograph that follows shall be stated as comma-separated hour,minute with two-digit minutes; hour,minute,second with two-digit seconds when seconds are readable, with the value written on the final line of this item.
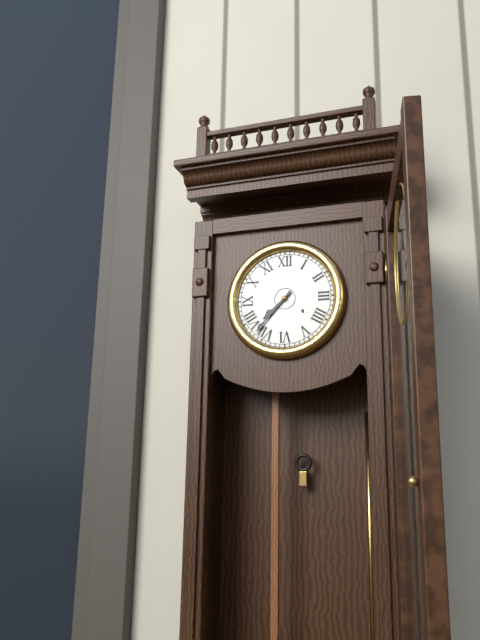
7,37
